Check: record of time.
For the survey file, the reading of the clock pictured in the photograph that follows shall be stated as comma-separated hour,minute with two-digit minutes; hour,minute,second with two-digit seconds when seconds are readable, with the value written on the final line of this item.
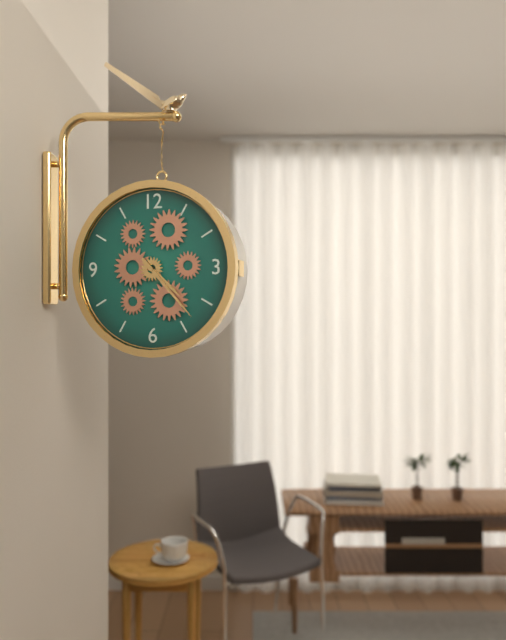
4,23
